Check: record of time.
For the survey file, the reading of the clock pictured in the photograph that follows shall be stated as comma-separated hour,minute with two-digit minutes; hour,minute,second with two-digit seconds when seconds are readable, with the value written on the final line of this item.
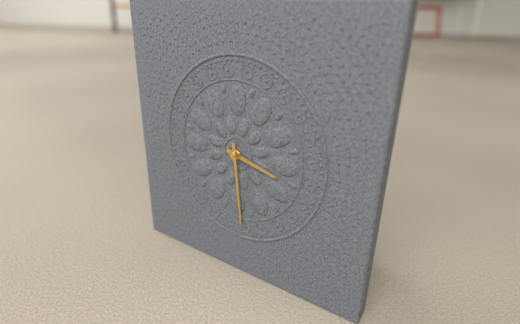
3,29
